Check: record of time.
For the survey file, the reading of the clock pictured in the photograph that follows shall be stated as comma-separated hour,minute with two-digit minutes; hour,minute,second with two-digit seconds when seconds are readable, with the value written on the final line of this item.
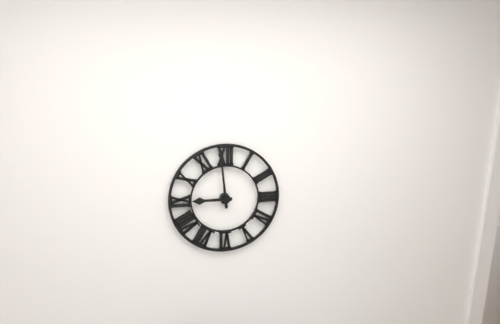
8,59
